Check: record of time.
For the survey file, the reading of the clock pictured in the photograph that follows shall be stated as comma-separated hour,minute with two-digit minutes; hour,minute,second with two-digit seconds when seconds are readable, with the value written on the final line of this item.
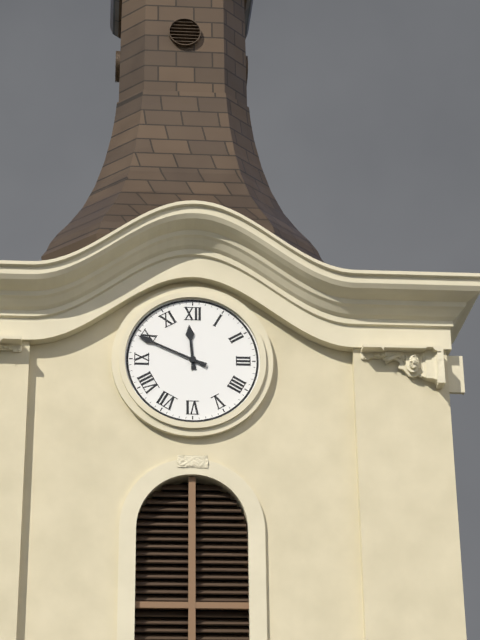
11,49
